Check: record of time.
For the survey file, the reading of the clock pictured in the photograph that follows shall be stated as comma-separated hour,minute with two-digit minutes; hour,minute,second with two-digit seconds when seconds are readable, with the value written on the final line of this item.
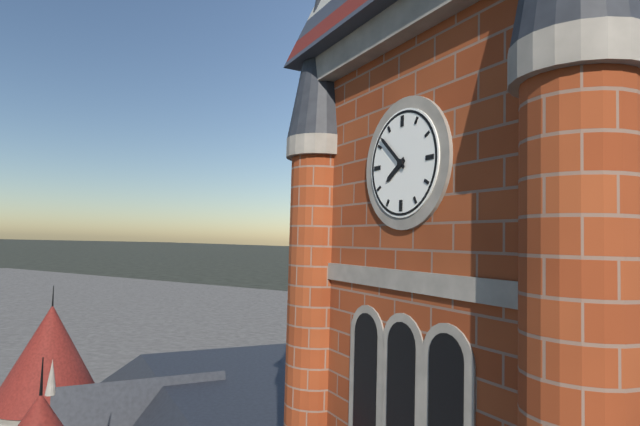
7,52
